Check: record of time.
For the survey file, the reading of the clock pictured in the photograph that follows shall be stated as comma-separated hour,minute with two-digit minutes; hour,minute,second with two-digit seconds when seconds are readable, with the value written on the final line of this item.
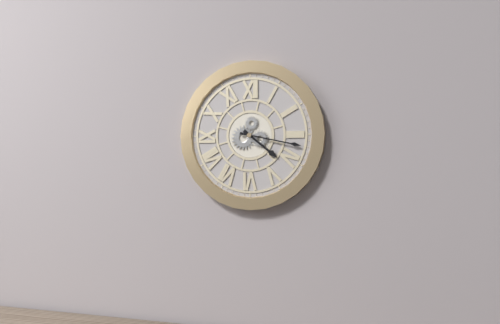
4,17
